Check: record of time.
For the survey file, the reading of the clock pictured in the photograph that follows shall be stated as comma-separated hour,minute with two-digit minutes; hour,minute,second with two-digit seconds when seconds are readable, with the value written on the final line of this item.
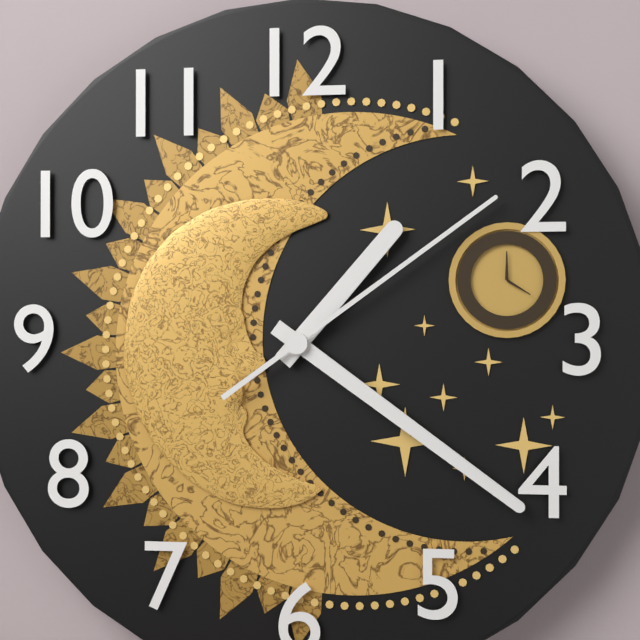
1,21,09
